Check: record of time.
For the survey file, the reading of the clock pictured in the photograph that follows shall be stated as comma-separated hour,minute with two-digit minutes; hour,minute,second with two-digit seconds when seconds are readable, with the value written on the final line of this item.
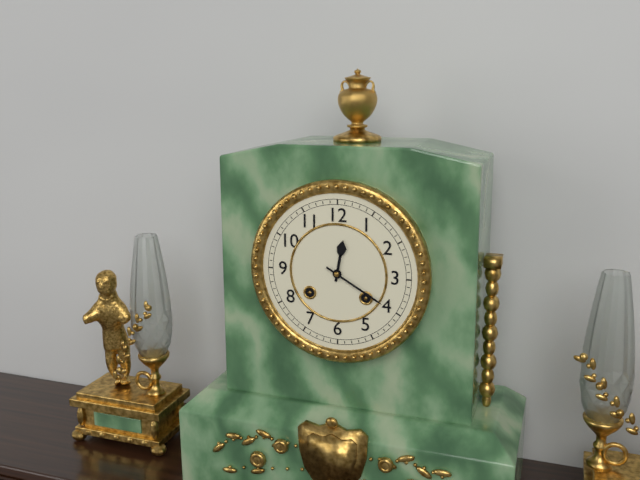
12,20
